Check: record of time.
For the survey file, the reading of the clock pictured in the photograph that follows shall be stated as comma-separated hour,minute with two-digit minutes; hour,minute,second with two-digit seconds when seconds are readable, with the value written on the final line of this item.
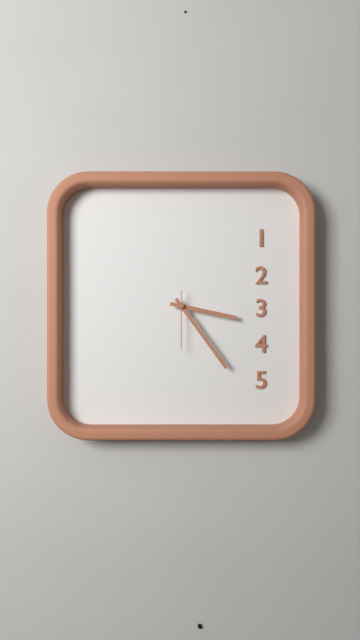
3,24,30
